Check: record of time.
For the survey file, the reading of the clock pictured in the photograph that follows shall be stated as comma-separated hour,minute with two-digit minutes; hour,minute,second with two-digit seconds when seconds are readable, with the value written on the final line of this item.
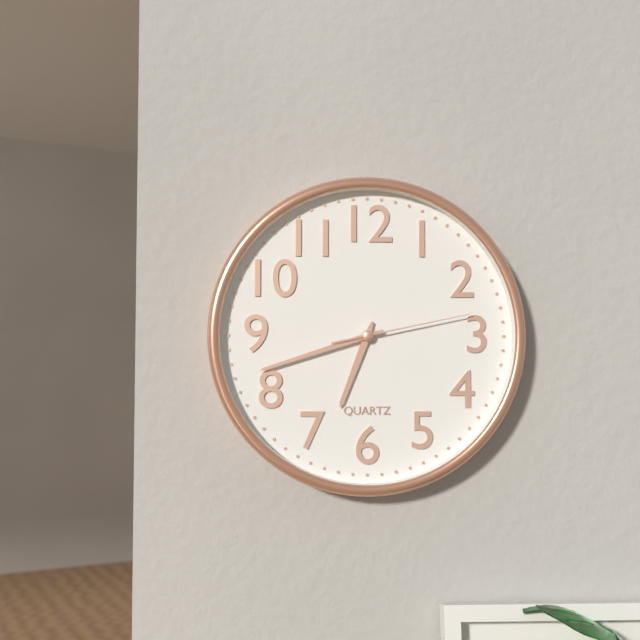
6,42,13
